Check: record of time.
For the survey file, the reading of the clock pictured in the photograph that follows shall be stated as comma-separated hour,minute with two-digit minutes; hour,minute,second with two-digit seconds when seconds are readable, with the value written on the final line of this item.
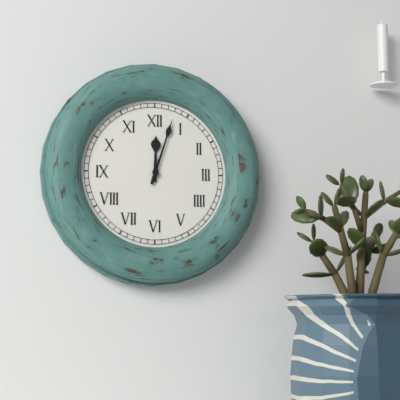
12,03
